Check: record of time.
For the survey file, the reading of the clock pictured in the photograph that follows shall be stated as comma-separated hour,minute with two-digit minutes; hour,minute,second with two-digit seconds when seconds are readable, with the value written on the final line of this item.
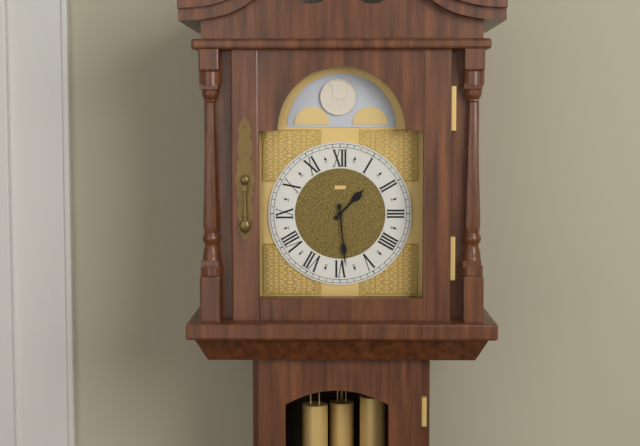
1,29
